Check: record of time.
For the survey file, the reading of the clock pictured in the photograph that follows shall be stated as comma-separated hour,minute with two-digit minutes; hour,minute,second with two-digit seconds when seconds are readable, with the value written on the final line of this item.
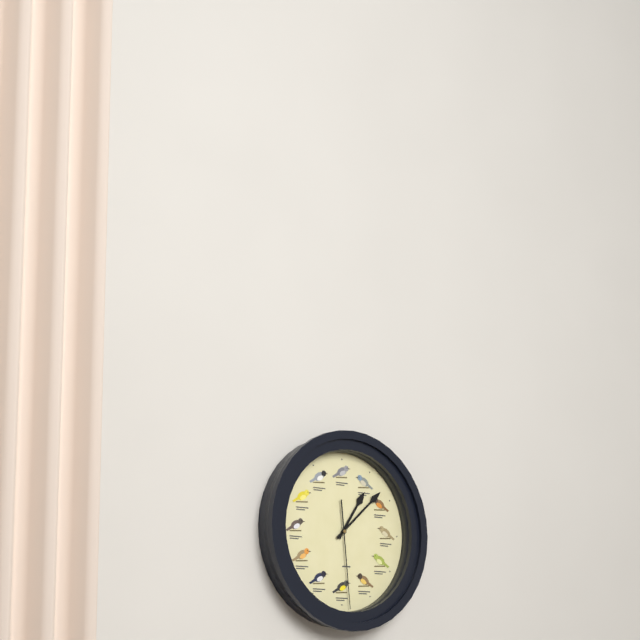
1,08,29
